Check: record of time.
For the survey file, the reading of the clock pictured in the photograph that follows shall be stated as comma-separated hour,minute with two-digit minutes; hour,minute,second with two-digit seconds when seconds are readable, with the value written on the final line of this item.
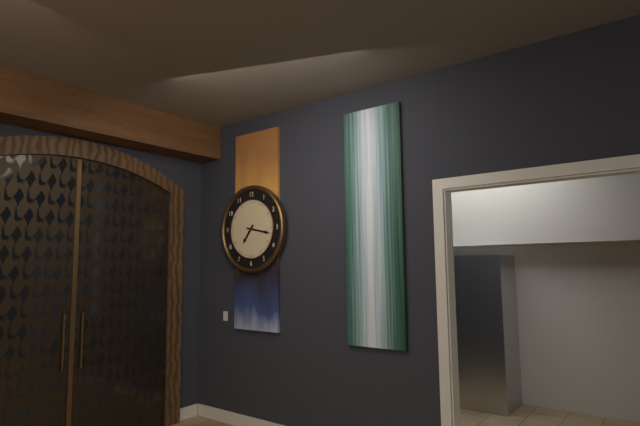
7,17
